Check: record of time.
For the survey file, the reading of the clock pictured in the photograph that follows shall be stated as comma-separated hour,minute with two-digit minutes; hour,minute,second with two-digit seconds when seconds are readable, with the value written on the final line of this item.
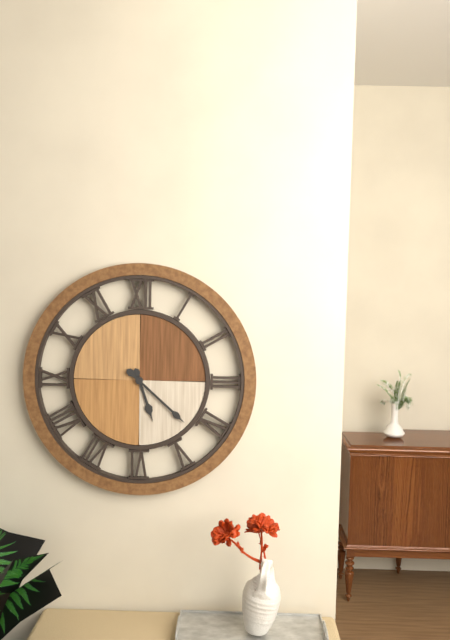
5,22
